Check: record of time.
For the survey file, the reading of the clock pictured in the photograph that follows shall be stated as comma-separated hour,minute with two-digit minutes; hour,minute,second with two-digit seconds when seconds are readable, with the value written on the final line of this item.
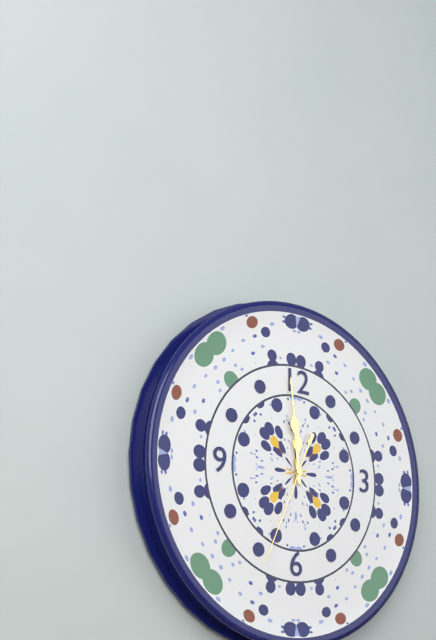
11,59,34
